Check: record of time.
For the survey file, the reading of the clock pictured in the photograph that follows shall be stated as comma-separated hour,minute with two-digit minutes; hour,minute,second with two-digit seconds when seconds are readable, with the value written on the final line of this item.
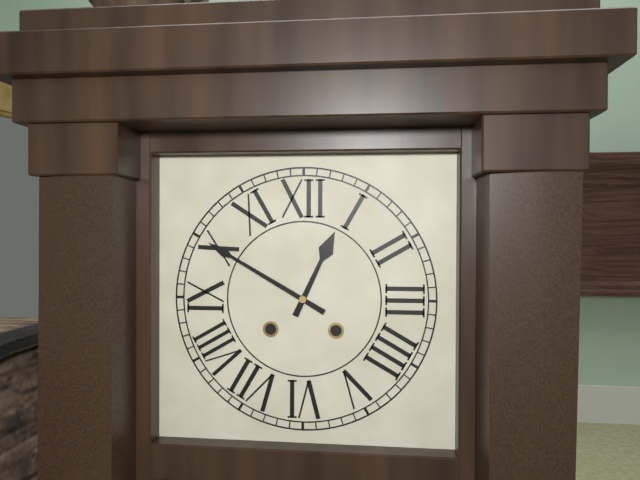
12,50
